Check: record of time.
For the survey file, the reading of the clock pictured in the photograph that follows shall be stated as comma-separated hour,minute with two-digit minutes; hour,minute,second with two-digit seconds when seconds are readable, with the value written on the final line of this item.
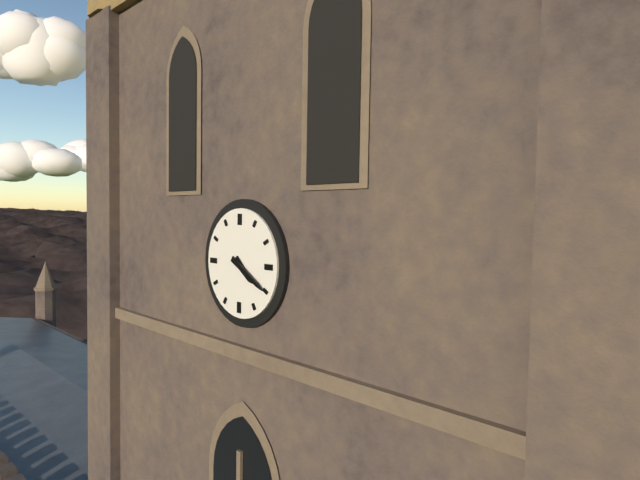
4,20
